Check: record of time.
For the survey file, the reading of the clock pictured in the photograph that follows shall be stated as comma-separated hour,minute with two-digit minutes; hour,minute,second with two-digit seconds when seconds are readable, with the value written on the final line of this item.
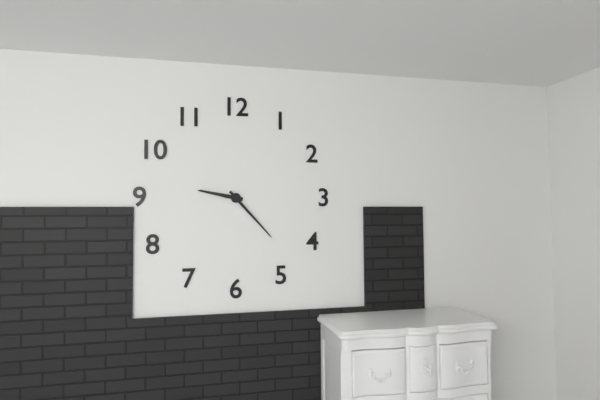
9,23
